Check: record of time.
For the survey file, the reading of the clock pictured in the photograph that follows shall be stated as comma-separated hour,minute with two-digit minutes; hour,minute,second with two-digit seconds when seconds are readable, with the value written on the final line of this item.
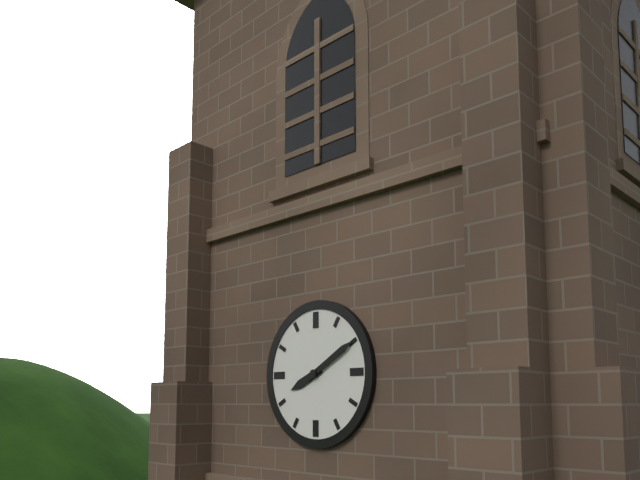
8,10
